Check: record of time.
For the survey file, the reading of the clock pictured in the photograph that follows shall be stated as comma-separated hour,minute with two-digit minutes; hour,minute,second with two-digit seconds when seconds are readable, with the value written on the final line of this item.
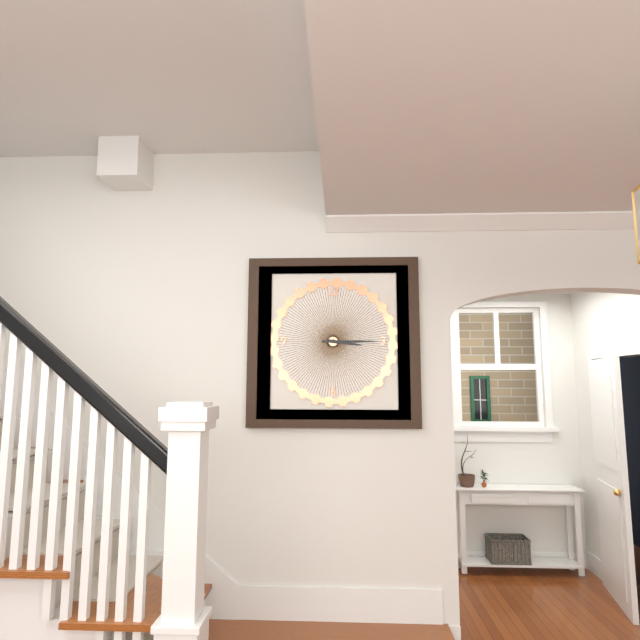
3,15
